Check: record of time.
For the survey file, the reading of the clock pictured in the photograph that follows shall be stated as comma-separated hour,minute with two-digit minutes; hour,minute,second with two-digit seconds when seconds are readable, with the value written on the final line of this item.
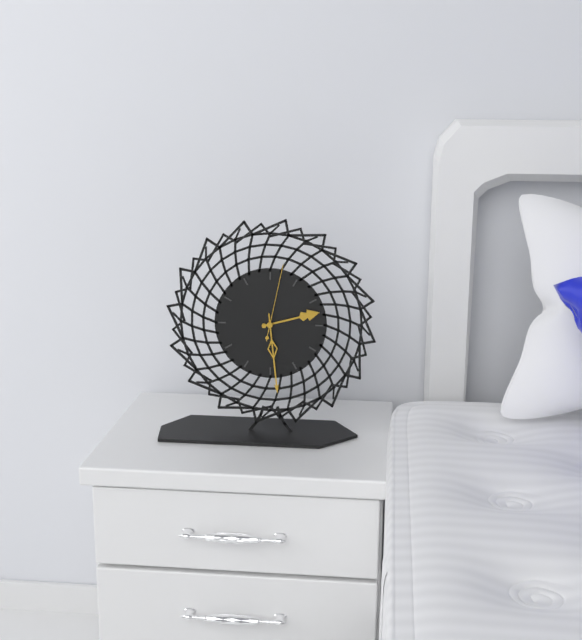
2,29,02
